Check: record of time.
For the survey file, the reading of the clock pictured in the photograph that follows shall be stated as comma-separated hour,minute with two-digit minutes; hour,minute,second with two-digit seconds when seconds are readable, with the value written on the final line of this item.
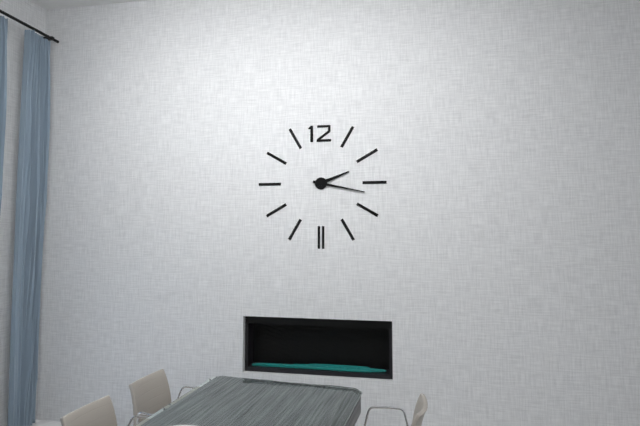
2,17
